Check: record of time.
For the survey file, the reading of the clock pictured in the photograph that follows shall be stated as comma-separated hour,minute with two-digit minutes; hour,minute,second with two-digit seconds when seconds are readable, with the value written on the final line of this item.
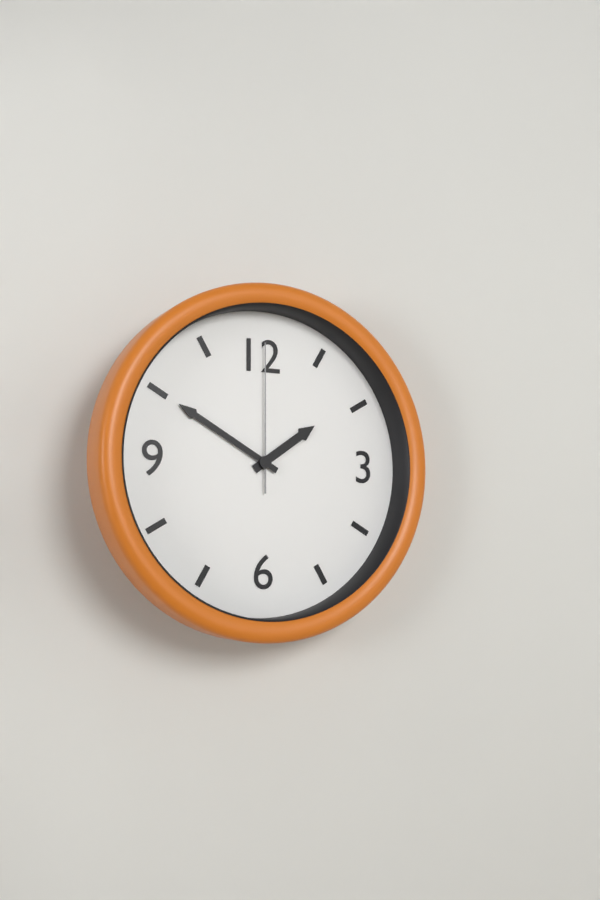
1,50,00
